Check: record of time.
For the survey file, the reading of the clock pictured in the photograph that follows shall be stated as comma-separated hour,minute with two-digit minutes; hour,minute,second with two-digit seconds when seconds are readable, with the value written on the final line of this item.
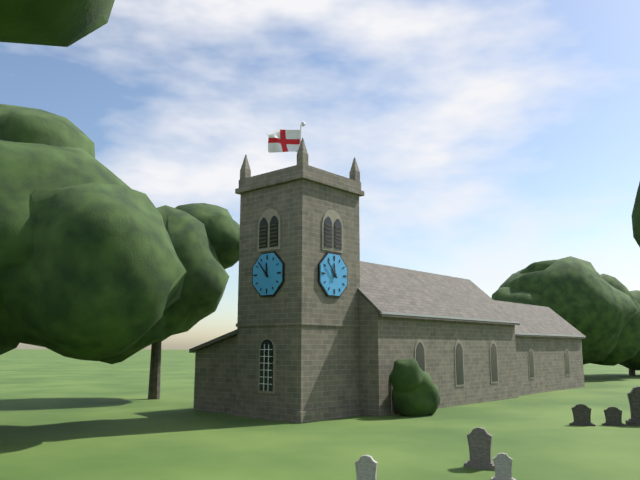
11,53
